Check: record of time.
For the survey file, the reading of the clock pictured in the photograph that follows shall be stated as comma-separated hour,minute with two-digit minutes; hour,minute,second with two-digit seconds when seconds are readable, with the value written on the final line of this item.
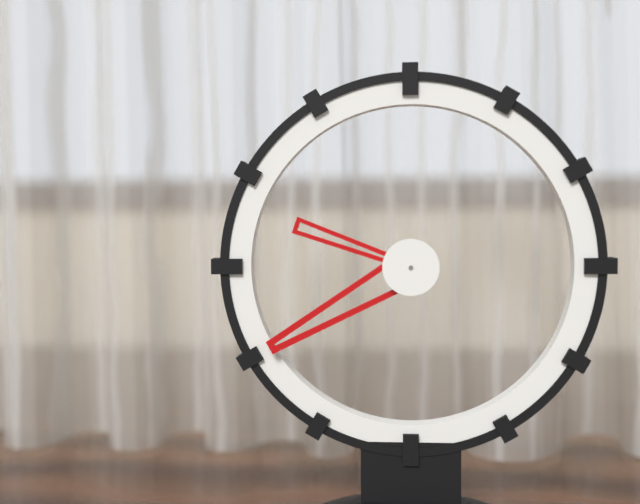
9,40
